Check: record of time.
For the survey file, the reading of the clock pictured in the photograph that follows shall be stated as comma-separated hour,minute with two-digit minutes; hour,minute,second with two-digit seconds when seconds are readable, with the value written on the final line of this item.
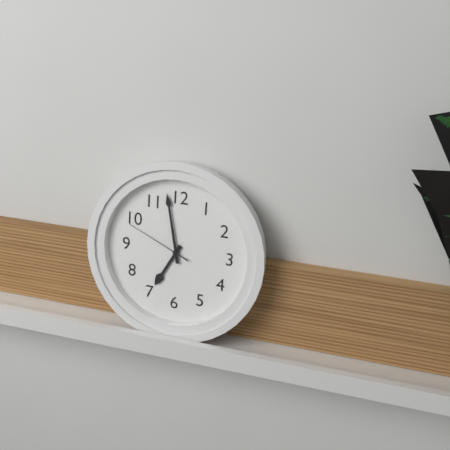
6,58,49
